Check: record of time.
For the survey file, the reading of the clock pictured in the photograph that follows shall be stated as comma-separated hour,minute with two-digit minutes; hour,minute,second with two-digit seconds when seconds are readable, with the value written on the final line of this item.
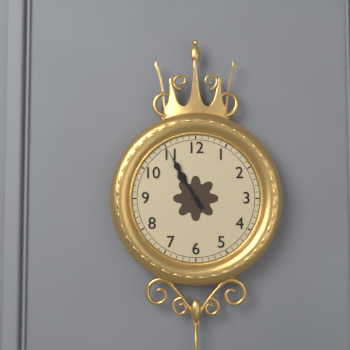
10,55
